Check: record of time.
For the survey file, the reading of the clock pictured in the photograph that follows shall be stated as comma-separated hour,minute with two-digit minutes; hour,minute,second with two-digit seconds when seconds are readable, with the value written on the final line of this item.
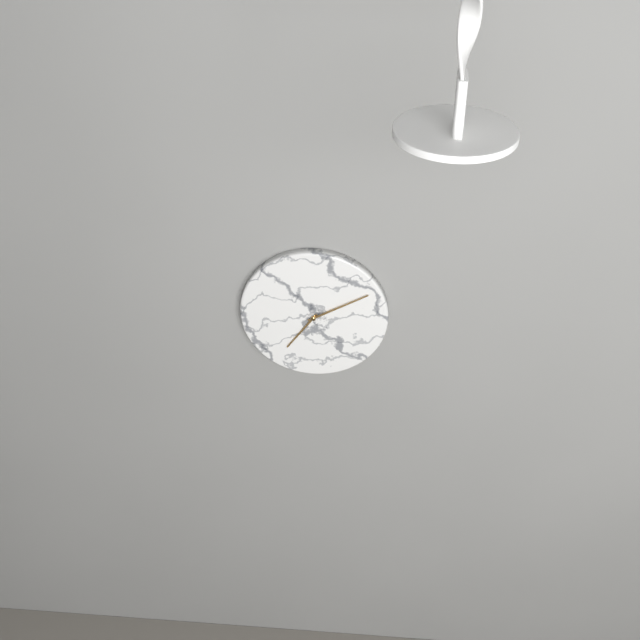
7,10
